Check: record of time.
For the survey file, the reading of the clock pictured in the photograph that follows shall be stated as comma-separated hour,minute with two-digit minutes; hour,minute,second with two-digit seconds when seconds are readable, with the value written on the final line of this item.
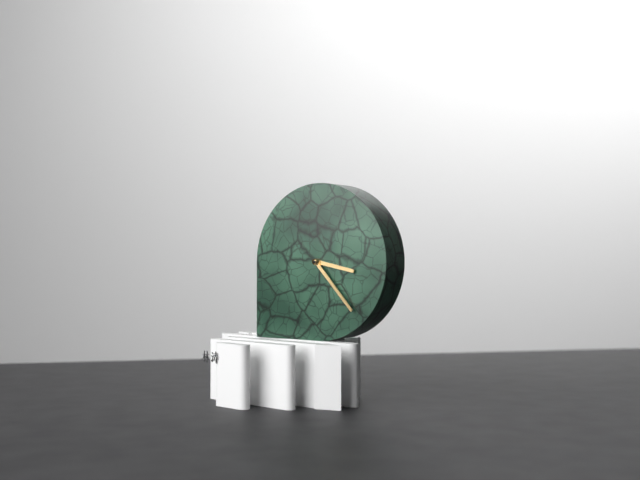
3,23
